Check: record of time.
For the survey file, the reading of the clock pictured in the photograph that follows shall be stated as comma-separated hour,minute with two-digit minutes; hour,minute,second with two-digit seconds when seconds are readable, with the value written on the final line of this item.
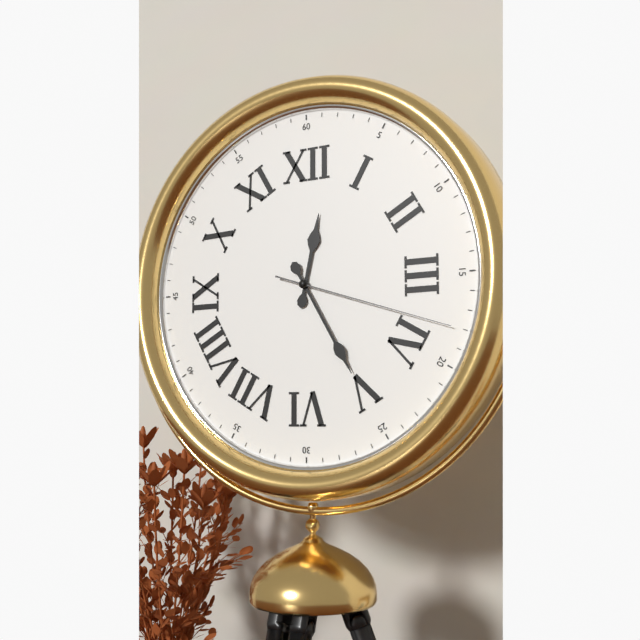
12,25,18
